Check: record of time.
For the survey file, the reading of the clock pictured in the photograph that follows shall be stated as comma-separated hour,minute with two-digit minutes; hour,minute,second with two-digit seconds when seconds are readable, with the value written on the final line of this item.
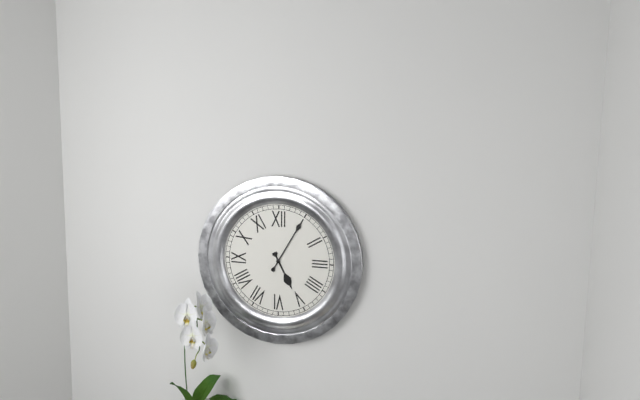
5,05
